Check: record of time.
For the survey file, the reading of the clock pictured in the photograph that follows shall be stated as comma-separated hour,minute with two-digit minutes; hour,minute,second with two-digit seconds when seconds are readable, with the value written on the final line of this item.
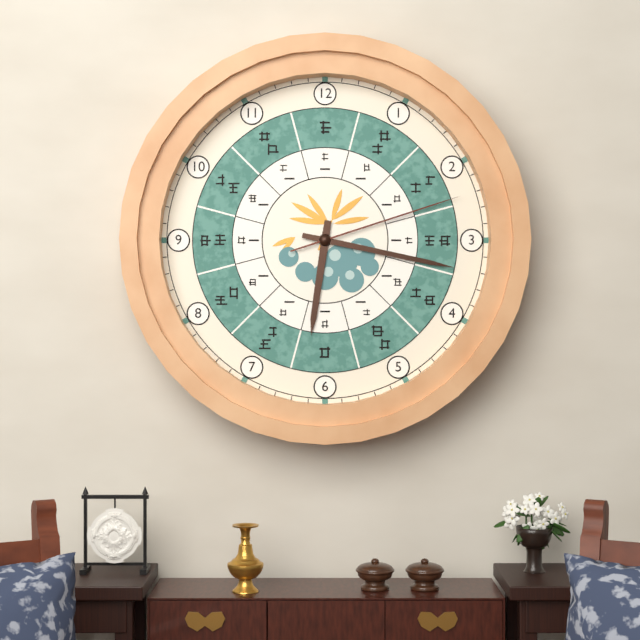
6,17,12
